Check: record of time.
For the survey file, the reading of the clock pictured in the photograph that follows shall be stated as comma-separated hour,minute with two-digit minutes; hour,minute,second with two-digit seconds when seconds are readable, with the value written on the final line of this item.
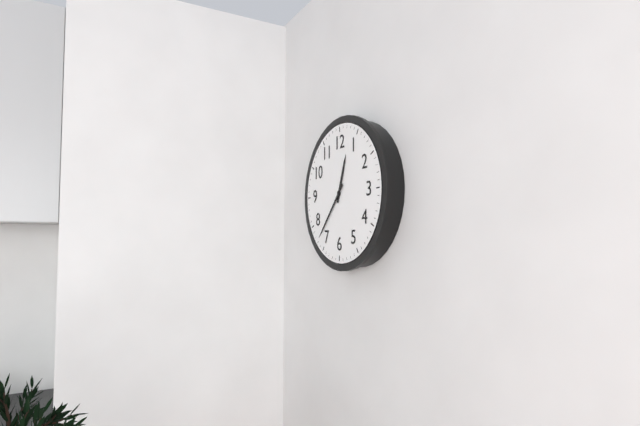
12,37
